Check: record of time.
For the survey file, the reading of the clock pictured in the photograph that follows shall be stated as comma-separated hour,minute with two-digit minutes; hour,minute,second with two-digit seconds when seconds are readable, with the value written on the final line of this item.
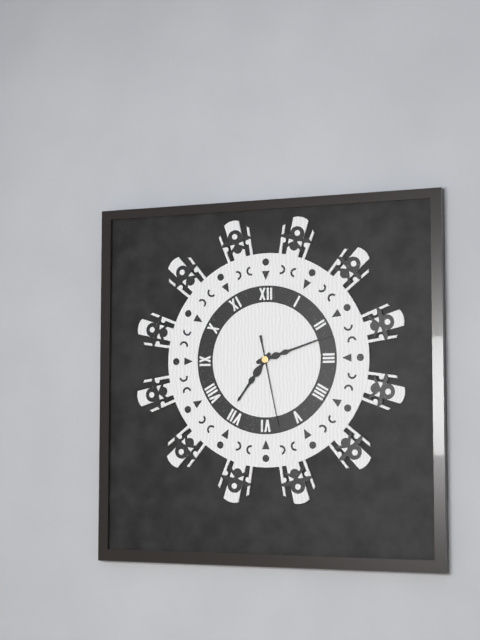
7,12,28
